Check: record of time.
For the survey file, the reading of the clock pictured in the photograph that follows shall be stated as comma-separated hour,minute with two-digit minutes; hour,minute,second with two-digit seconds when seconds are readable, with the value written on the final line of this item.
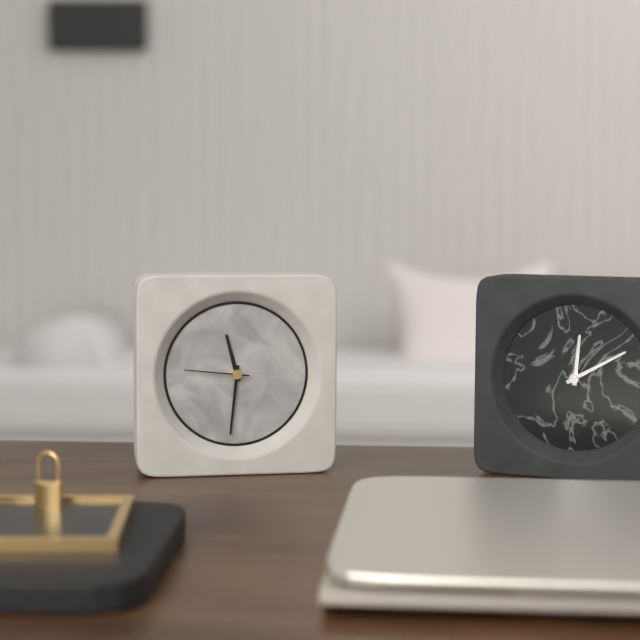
11,31,46
